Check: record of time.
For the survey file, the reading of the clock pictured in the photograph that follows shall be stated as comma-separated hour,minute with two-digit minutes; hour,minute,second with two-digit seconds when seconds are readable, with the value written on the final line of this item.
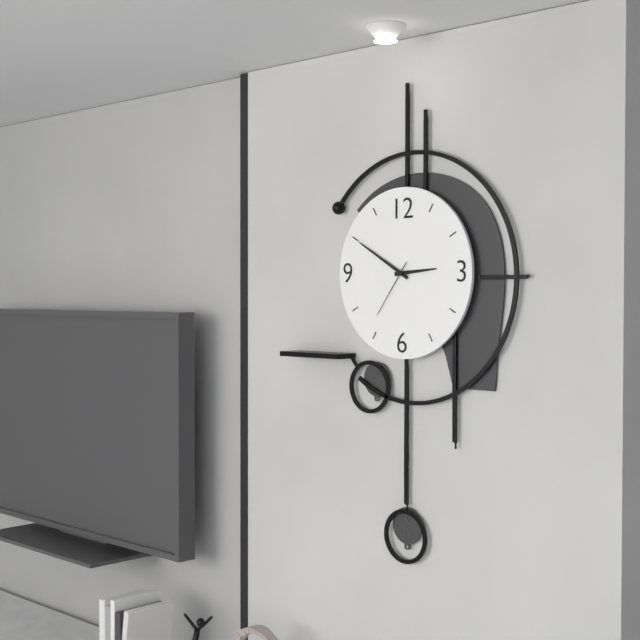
2,50,36
